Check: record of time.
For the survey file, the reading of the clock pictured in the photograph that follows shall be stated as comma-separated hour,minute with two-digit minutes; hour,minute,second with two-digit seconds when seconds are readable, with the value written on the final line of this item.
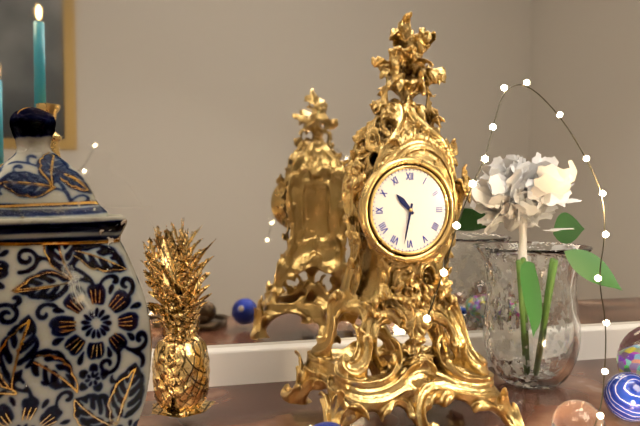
10,32
